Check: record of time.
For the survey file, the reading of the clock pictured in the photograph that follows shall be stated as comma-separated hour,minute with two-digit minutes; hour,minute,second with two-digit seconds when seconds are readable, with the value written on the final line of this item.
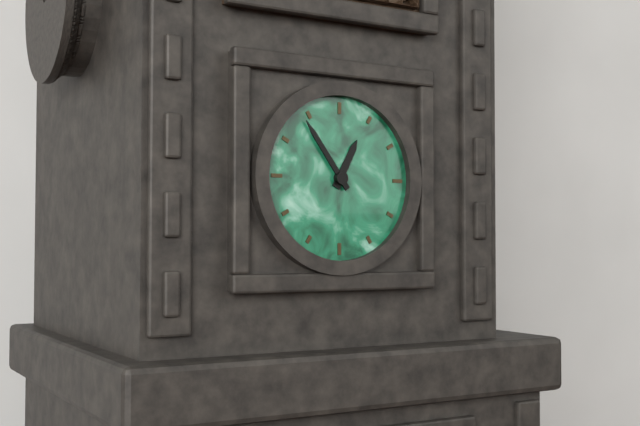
12,54
